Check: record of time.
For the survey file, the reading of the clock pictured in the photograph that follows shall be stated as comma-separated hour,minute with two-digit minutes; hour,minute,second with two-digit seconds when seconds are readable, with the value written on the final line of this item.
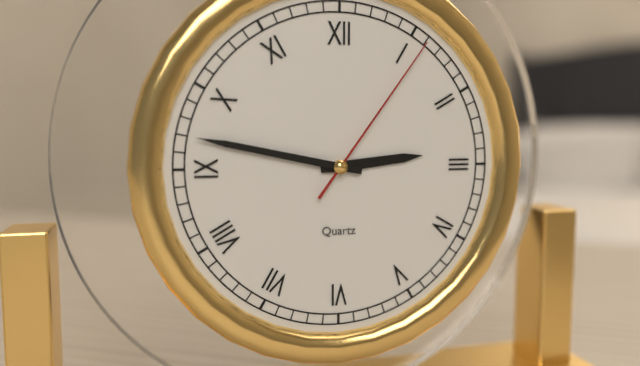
2,47,06
